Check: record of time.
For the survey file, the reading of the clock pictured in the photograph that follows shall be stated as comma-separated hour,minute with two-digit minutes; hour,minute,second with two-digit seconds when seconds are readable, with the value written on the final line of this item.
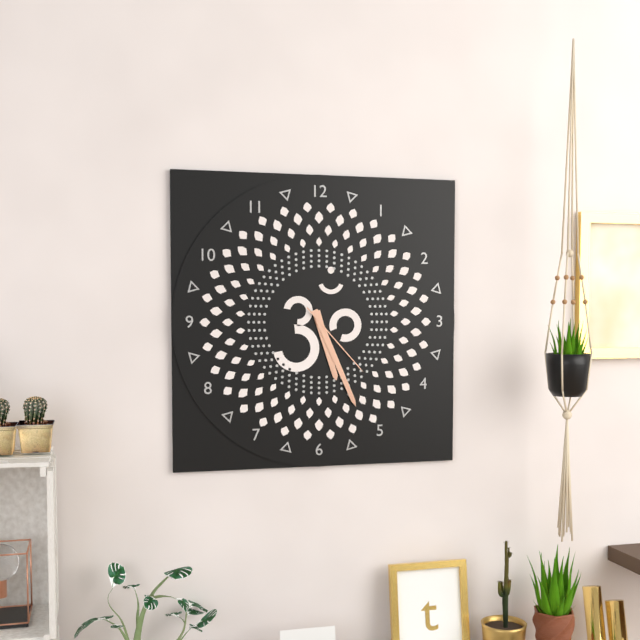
5,26,23
